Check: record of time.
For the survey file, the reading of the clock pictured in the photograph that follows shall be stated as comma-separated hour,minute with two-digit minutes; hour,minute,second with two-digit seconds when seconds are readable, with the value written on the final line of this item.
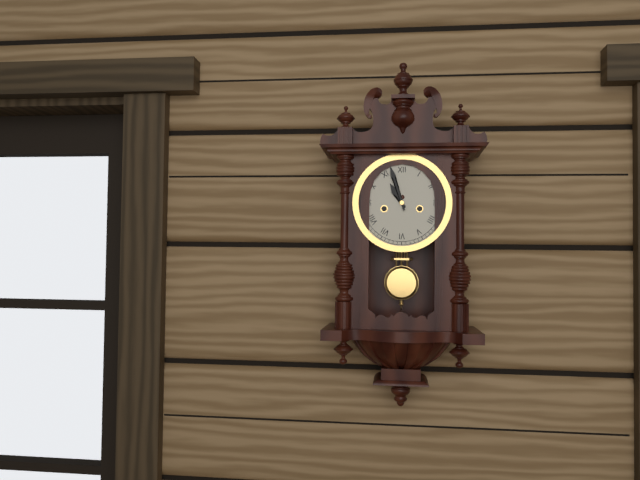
10,57
